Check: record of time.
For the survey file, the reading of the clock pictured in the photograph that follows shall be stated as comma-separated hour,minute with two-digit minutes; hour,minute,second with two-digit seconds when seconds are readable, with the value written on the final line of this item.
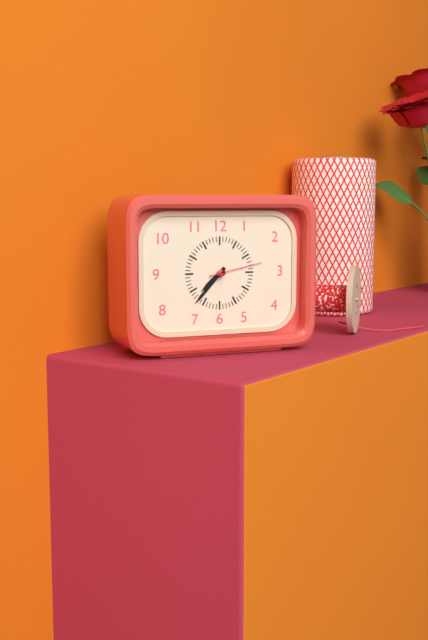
7,37,13
